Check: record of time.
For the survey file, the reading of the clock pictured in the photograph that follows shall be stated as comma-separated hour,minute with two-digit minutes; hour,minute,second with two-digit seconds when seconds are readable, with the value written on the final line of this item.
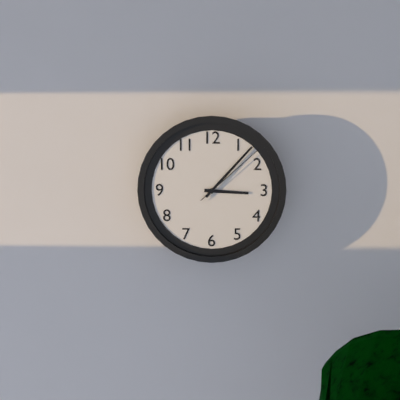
3,07,08
